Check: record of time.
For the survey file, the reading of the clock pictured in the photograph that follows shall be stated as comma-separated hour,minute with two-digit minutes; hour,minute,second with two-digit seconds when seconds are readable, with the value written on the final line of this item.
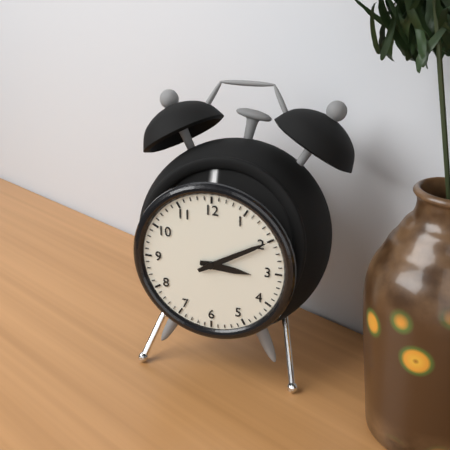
3,10
